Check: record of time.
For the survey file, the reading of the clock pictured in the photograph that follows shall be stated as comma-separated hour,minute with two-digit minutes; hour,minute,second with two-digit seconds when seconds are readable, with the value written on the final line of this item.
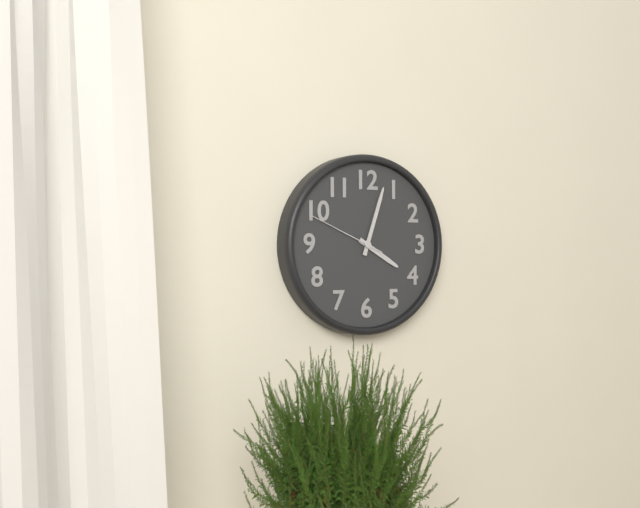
4,03,49
